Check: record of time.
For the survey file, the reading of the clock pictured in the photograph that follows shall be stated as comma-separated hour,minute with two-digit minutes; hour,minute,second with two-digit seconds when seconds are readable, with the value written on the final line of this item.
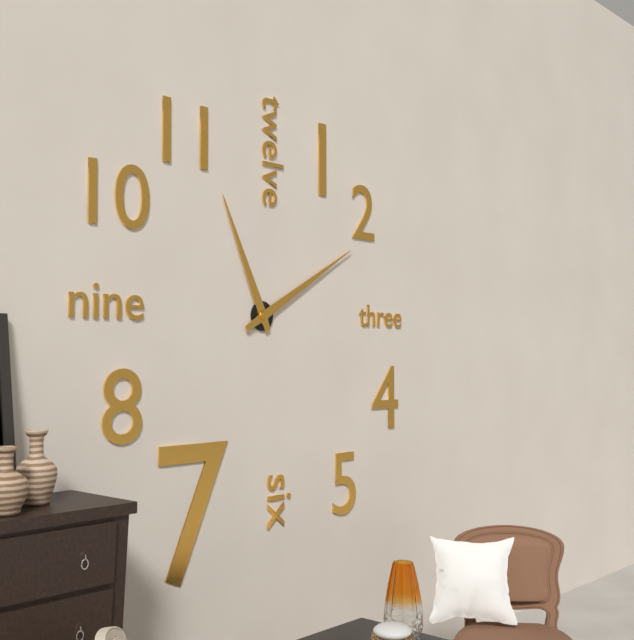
11,10
